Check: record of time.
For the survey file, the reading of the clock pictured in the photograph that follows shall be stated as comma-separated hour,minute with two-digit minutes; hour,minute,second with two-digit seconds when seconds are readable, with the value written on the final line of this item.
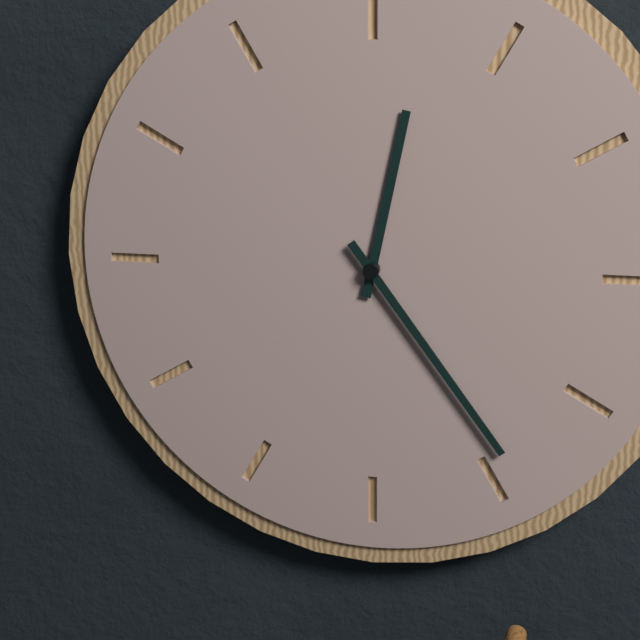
12,24
